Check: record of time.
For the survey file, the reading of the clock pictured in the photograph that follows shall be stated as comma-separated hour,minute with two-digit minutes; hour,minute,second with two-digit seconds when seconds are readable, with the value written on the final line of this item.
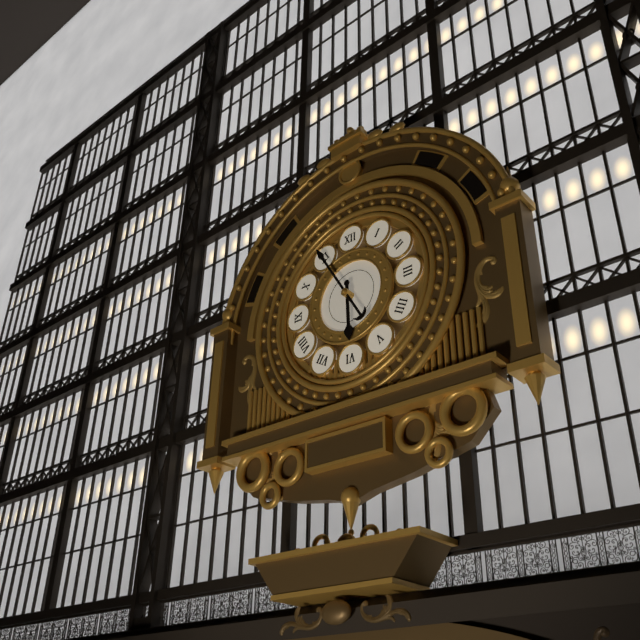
5,55
